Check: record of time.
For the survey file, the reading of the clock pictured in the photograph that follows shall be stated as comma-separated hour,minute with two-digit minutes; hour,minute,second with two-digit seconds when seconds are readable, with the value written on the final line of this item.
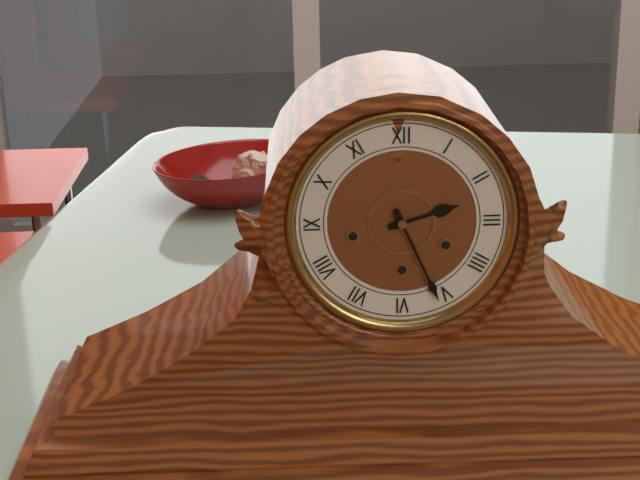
2,26
